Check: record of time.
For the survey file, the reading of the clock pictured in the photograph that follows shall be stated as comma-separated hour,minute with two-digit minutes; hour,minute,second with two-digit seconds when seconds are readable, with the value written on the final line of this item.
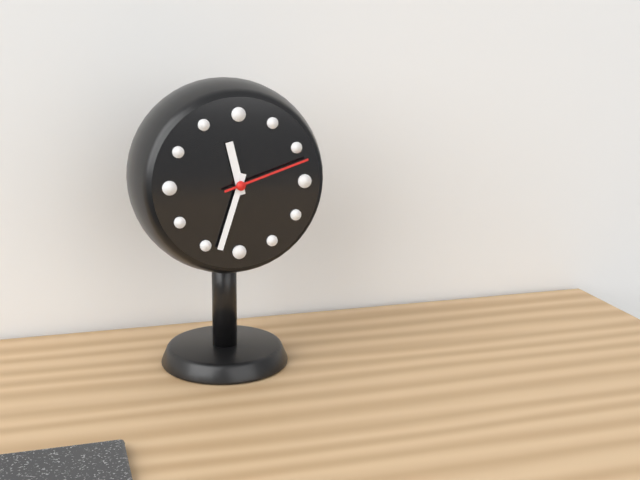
11,33,12
